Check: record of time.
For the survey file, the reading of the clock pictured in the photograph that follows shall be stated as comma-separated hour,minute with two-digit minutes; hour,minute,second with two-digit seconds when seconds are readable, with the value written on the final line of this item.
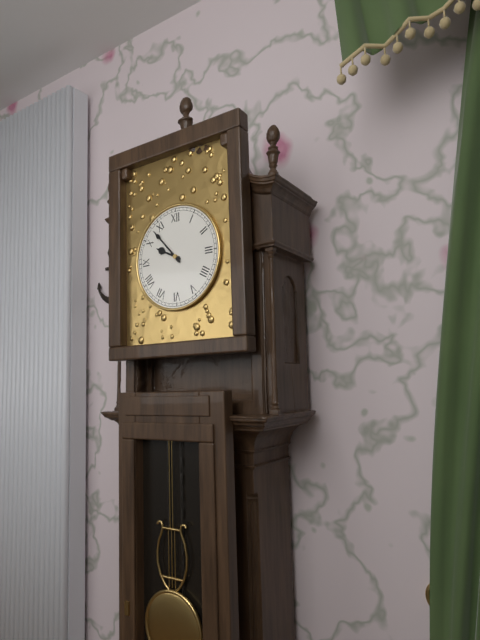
9,53
